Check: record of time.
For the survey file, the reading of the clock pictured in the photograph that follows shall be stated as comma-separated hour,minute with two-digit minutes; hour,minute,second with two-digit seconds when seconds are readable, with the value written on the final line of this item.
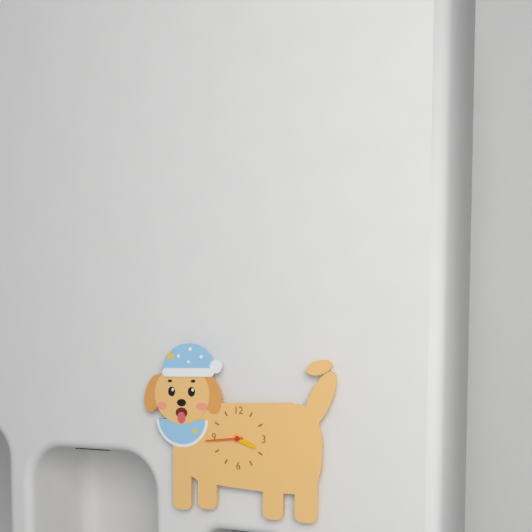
3,44
